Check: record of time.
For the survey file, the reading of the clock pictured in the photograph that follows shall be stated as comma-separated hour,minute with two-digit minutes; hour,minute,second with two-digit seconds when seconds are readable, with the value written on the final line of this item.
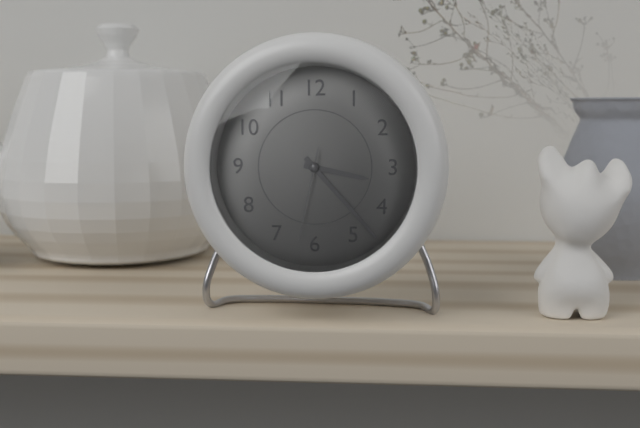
3,23,32
